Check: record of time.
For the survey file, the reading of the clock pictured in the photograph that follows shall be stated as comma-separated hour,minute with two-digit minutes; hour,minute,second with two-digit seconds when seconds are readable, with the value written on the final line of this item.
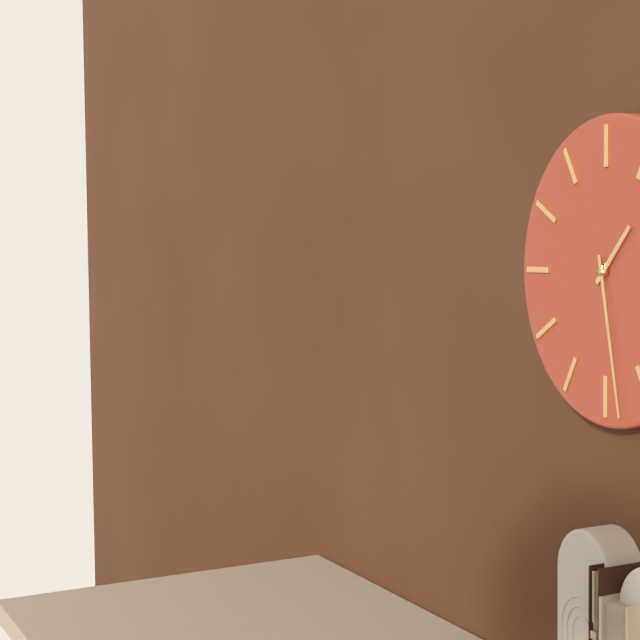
1,28
